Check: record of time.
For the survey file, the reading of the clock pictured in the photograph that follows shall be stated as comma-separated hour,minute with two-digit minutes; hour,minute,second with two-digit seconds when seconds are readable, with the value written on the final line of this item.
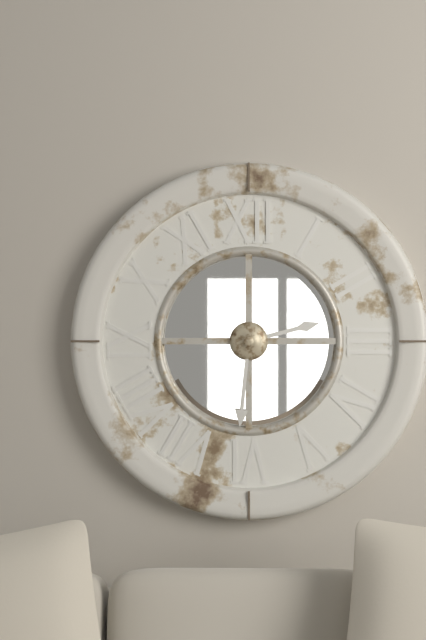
2,31
